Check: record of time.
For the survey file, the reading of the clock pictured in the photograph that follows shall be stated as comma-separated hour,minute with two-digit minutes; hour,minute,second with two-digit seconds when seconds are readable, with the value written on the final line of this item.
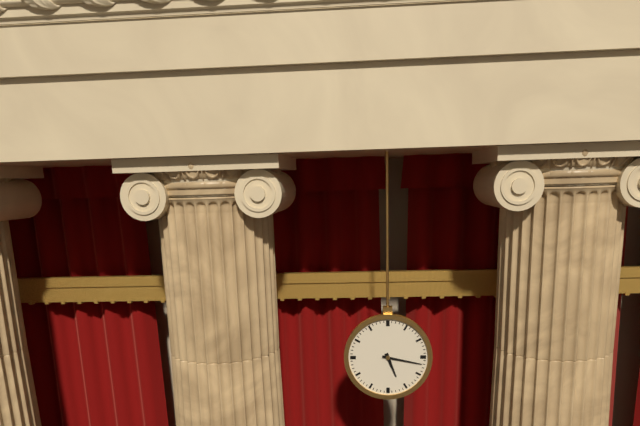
5,17
